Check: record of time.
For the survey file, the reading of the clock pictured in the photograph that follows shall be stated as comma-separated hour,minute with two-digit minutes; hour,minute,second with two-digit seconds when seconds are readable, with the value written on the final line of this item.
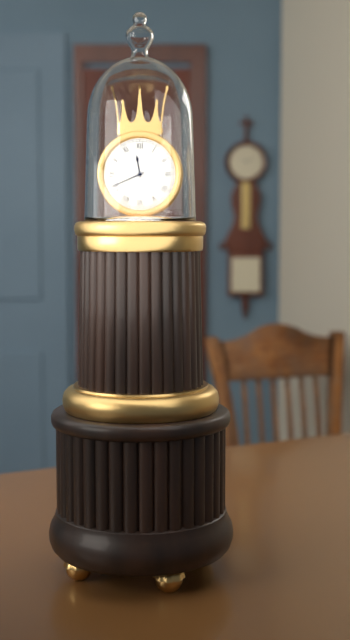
11,41
